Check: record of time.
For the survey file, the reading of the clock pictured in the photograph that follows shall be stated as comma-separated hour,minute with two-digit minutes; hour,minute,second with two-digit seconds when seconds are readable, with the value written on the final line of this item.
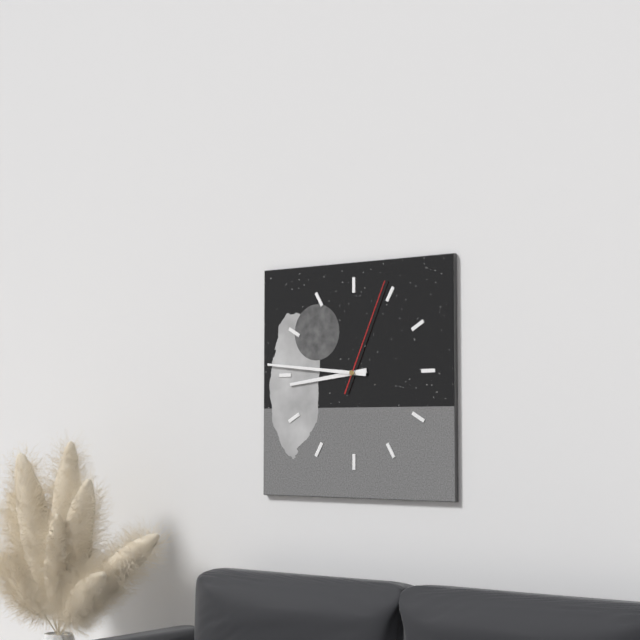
8,46,04
